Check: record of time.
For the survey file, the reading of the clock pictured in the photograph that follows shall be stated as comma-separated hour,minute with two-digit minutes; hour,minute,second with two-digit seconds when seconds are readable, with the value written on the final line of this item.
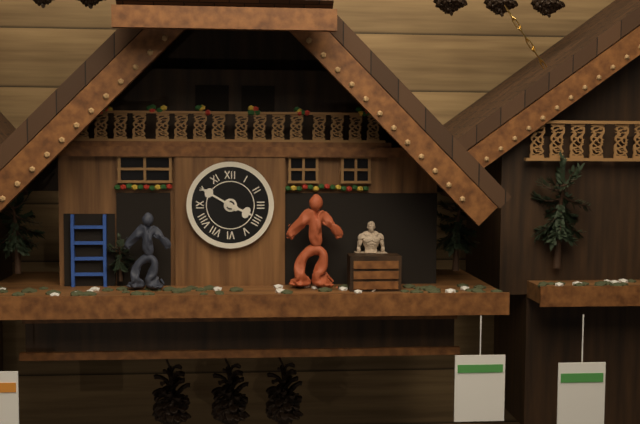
3,50
